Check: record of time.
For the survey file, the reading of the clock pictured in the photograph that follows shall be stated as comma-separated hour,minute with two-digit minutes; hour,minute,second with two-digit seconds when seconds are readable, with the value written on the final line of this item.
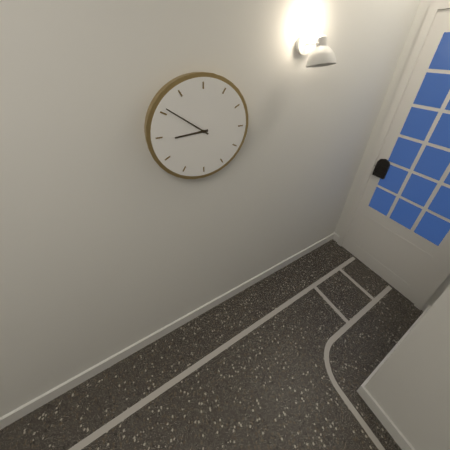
8,51
